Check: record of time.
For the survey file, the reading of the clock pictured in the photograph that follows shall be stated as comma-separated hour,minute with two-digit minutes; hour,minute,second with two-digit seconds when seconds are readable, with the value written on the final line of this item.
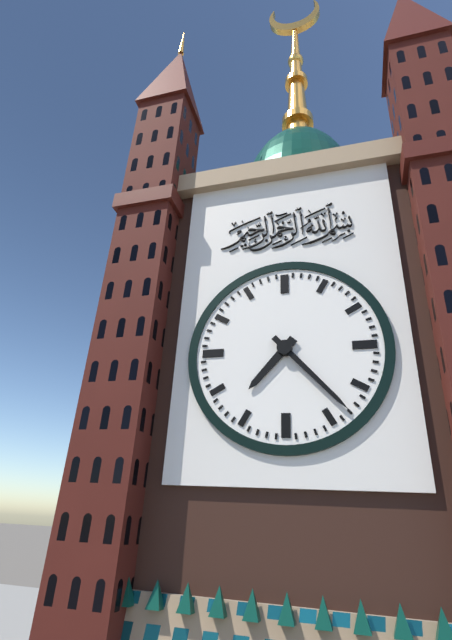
7,23
